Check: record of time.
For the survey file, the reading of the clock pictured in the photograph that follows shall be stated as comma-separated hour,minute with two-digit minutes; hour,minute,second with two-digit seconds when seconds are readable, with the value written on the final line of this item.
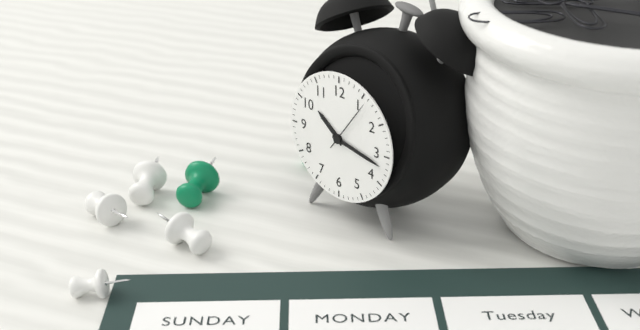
10,17,06
